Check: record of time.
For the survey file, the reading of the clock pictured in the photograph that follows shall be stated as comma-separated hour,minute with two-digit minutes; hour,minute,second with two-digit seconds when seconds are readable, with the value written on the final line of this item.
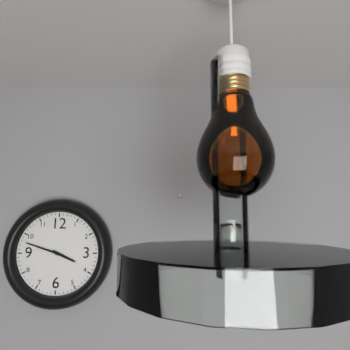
3,48
